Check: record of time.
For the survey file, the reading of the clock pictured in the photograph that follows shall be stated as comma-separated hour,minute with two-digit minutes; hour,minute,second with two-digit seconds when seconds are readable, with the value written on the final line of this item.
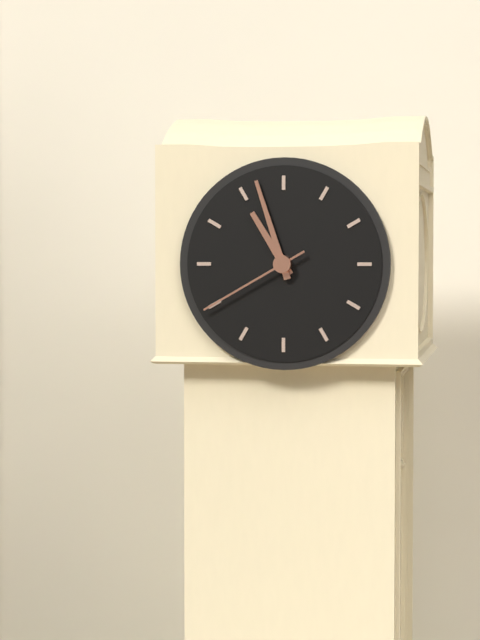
10,57,40
